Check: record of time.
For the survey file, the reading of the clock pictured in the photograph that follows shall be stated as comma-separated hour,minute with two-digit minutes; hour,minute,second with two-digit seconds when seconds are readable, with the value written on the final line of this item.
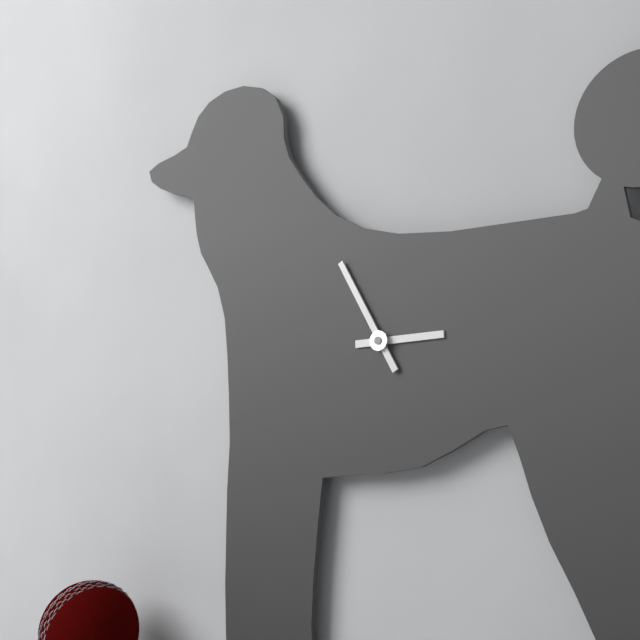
2,55
